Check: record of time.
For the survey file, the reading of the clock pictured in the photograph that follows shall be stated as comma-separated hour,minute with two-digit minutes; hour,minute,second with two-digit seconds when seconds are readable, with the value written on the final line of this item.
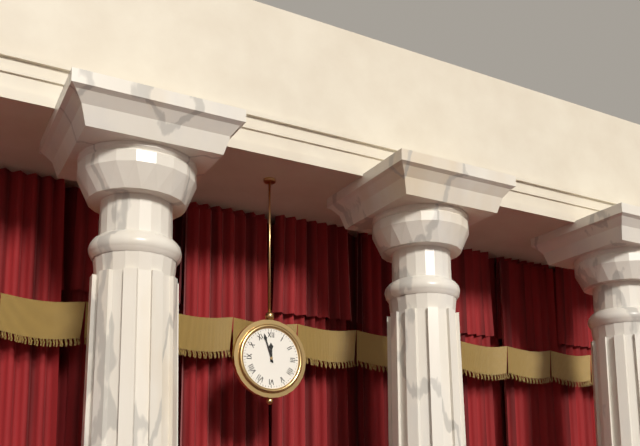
11,57
